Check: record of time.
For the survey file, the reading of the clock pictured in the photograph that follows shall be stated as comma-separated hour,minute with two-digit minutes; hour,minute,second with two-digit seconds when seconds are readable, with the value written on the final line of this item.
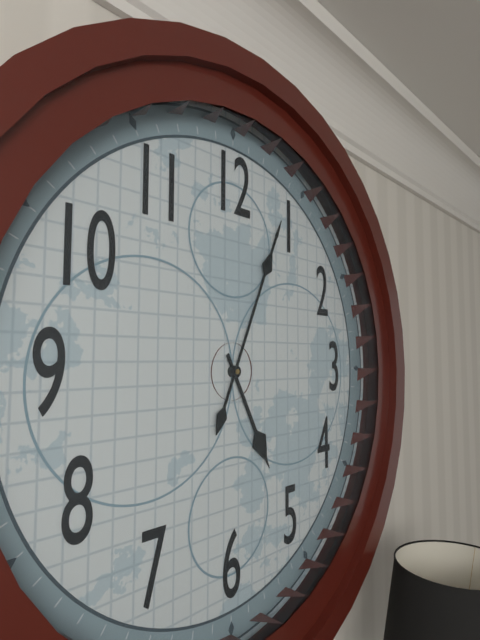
5,04
